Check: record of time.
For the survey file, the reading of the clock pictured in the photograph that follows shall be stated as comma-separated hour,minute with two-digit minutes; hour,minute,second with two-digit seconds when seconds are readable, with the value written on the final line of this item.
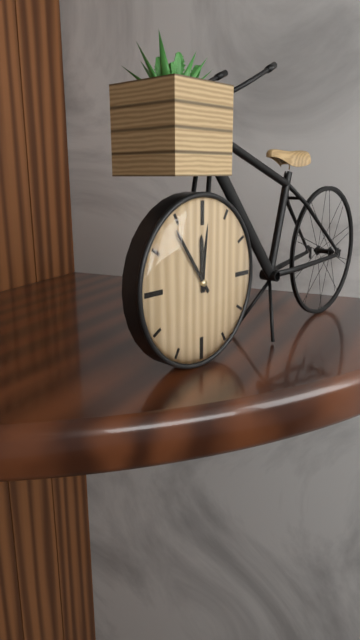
11,54
